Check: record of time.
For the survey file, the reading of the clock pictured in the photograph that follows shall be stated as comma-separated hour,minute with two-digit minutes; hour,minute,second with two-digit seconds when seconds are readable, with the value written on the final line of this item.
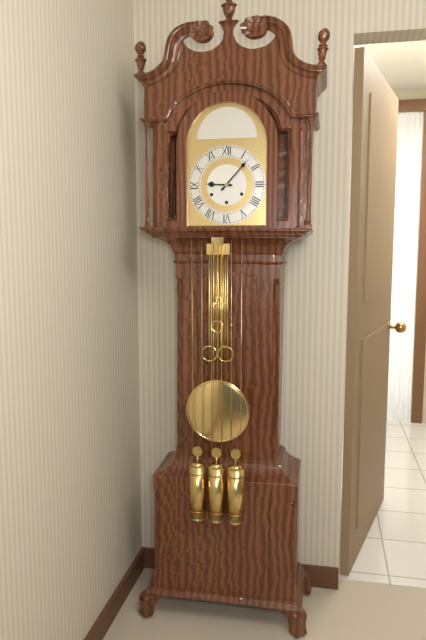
9,07
